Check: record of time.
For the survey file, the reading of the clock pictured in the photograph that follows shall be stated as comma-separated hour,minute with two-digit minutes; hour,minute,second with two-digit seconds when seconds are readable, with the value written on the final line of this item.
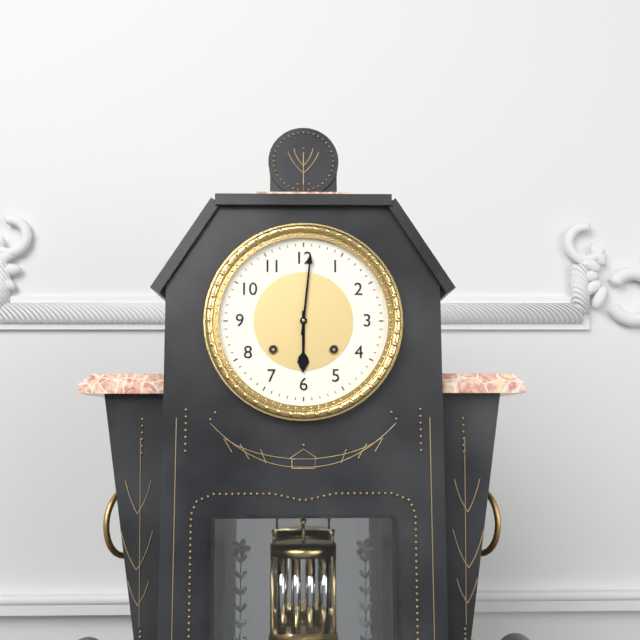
6,01
